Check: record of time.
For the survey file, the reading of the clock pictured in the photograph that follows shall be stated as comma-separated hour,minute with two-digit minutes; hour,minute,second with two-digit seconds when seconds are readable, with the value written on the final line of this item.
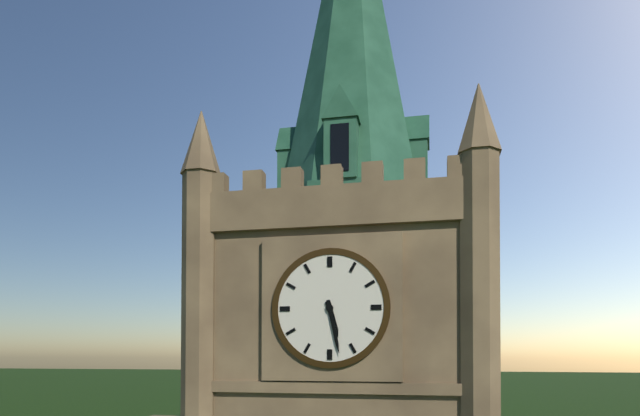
5,28
